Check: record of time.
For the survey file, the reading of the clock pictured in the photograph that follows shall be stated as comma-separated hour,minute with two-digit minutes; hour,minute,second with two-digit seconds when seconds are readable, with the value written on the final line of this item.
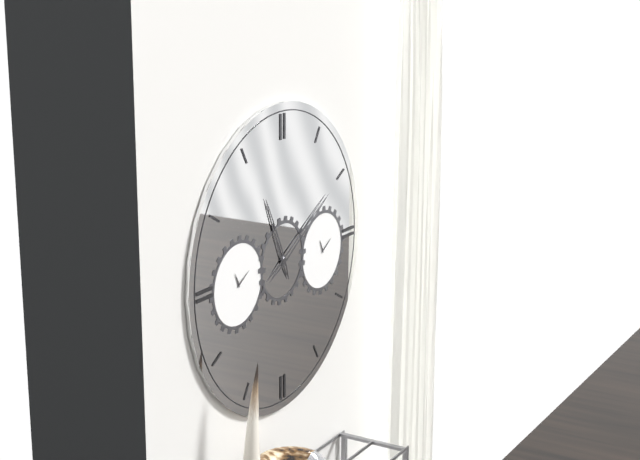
11,10
